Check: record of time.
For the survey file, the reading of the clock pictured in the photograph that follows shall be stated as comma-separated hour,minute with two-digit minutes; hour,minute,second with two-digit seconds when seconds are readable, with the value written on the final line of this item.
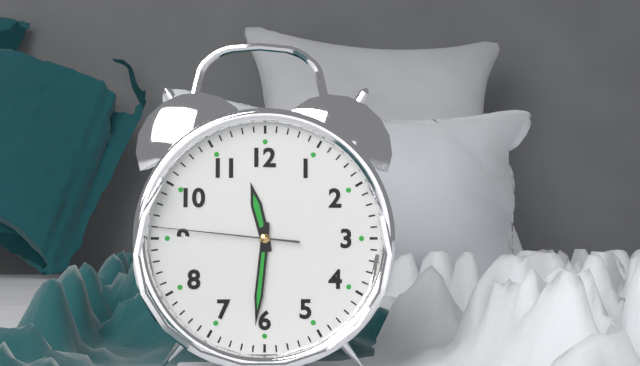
11,31,46
